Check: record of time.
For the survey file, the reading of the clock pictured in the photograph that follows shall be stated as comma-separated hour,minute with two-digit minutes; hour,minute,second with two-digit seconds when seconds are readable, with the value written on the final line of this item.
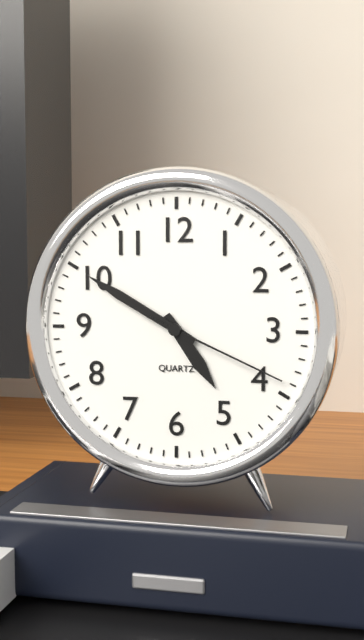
4,50,19
